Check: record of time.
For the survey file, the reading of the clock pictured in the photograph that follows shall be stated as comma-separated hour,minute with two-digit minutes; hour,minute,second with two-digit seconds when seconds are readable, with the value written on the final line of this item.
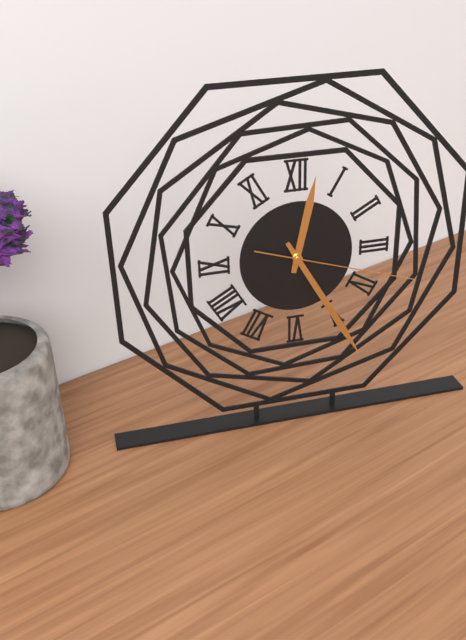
12,25,18
